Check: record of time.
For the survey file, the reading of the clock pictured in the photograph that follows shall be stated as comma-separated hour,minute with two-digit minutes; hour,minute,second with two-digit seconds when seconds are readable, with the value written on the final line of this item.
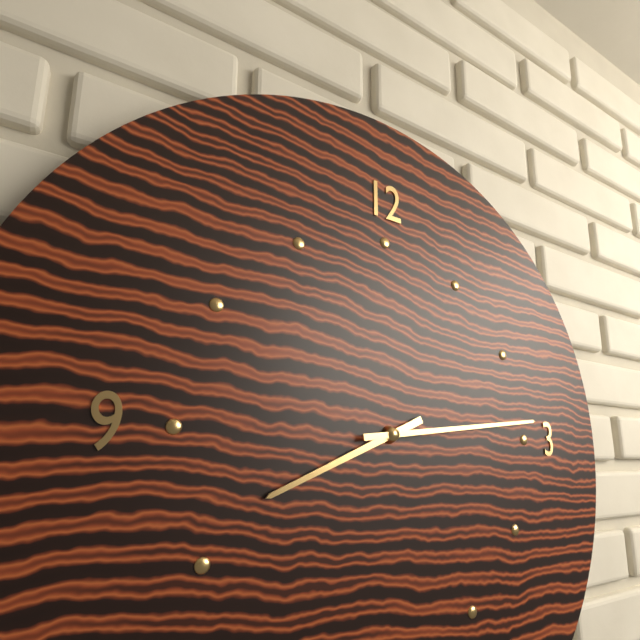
8,14
